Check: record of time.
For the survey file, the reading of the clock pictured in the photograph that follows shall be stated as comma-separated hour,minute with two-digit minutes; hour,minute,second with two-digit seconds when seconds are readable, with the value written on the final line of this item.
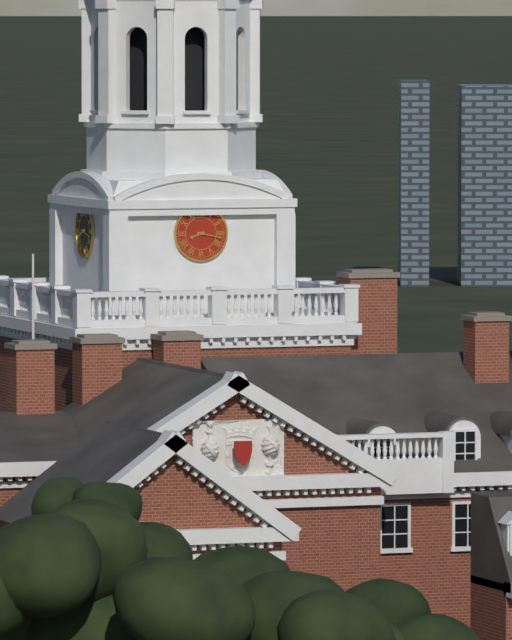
8,17
